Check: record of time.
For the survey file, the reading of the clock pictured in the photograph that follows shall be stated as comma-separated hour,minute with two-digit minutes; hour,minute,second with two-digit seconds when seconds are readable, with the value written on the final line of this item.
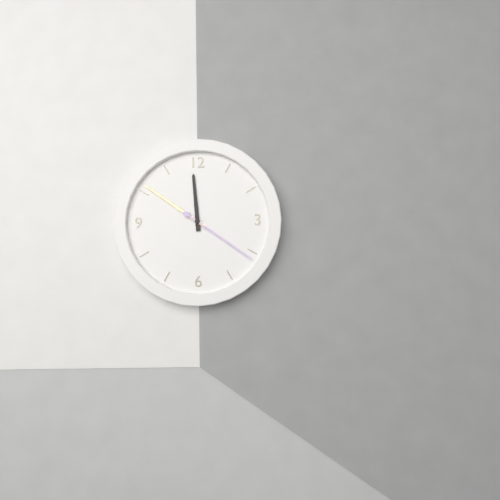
11,51,21
